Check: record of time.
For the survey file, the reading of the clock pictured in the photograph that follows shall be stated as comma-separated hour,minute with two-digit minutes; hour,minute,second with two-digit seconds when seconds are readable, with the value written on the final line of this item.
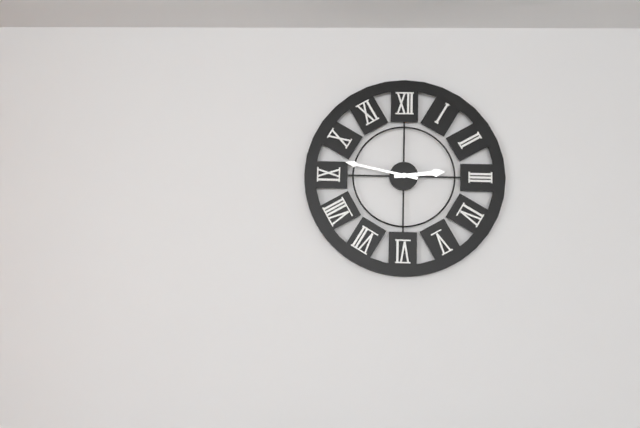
2,47
